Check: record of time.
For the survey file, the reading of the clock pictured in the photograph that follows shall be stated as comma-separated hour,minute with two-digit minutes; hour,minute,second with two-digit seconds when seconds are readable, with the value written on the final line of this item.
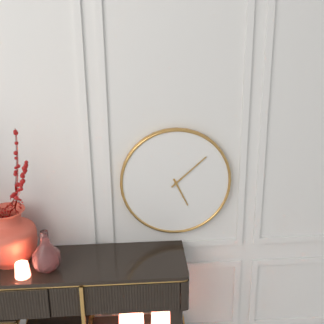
5,08
